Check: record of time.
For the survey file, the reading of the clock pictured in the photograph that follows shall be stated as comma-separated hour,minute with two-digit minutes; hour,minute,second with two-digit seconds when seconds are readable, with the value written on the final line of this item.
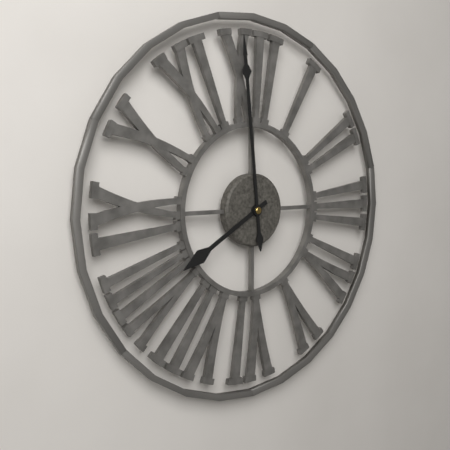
7,59
